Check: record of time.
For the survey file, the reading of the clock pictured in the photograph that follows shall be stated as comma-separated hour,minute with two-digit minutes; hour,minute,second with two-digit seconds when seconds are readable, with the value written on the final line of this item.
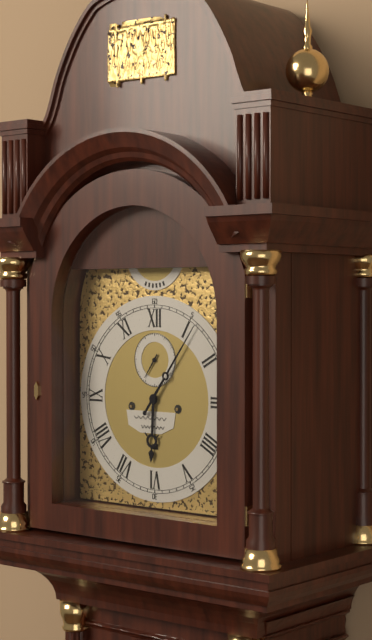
6,06
